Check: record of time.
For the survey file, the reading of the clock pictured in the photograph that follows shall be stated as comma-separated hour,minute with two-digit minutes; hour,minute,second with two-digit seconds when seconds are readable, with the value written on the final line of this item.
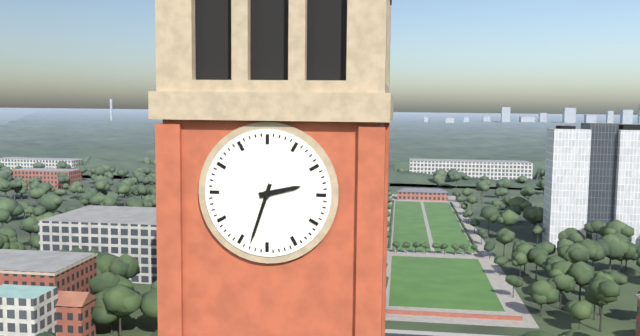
2,33
